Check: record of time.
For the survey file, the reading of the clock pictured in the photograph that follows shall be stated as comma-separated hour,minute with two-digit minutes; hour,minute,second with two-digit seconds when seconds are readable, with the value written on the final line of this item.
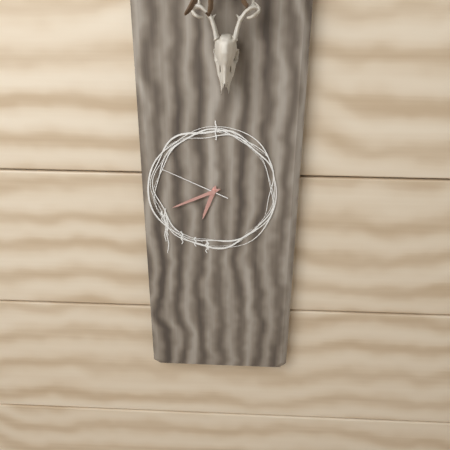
6,41,49
